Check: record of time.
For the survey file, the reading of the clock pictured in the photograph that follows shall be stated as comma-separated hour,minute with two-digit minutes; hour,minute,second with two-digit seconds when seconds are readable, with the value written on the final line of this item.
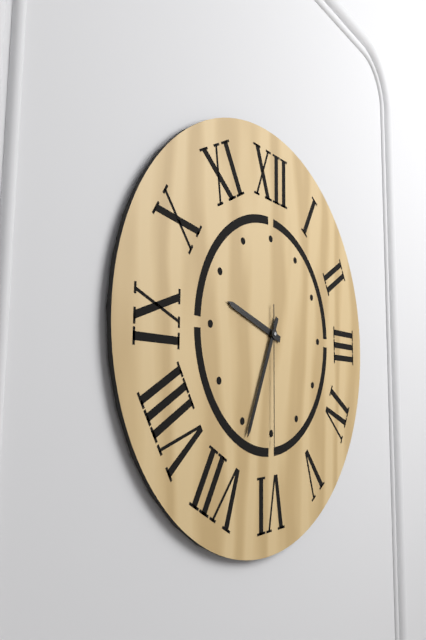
9,34,30
